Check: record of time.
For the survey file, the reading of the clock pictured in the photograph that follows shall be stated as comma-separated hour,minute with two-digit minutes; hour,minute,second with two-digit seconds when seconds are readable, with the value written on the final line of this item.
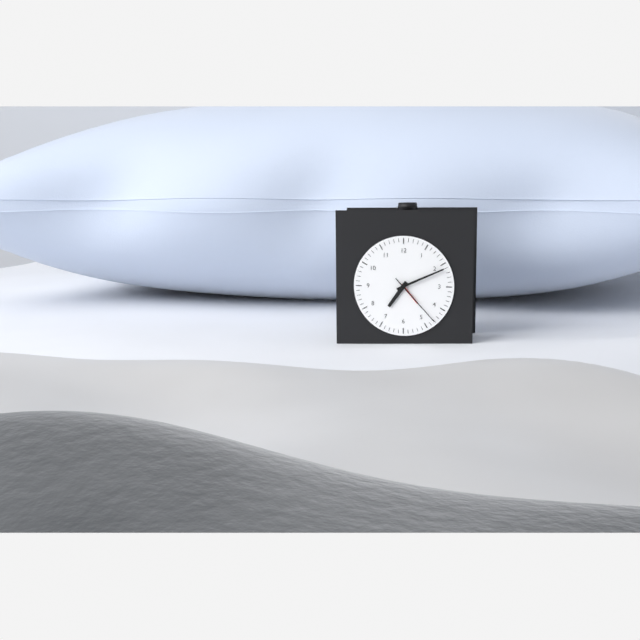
7,11,23
